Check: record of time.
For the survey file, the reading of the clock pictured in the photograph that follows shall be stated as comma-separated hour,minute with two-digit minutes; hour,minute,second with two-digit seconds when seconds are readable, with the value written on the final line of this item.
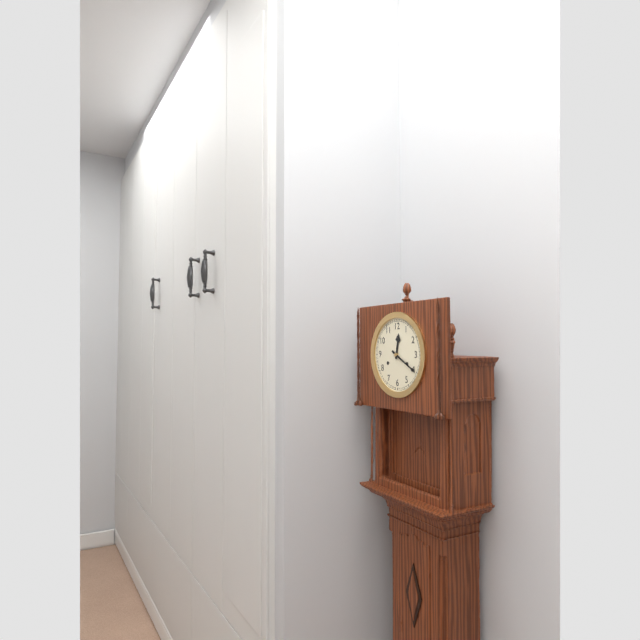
12,20
